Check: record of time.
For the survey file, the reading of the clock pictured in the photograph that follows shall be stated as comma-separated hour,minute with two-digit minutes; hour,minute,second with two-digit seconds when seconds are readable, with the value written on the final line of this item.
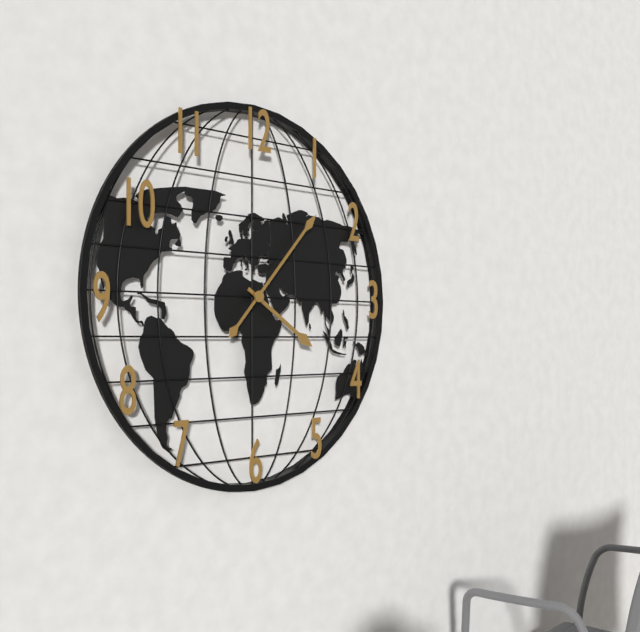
4,07
